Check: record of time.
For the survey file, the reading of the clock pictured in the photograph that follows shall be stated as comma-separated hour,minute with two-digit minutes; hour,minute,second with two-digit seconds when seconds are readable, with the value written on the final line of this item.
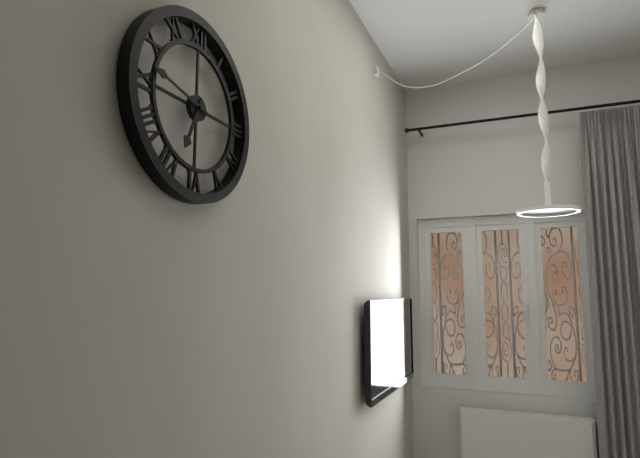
6,47
